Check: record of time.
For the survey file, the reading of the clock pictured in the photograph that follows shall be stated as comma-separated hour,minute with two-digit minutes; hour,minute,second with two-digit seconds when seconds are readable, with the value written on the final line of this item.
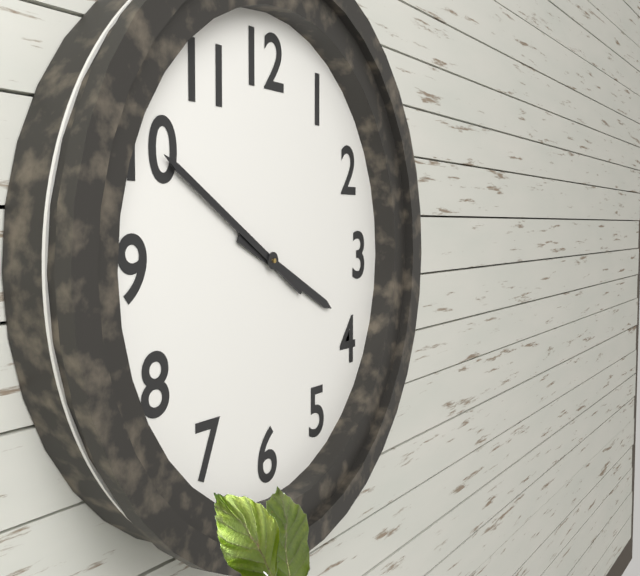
3,50
